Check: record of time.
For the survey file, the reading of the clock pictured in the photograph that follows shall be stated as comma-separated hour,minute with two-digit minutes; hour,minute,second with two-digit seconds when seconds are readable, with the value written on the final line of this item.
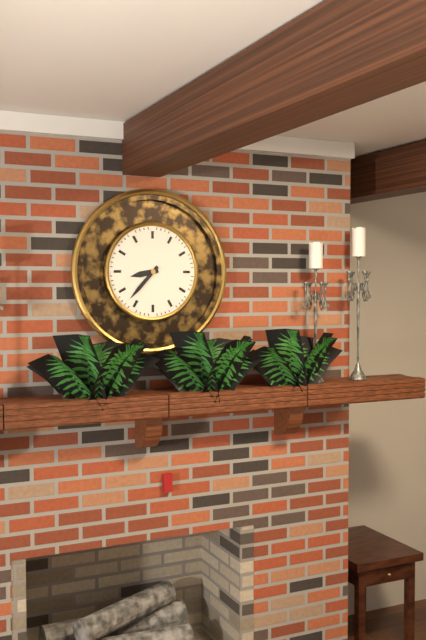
8,37
